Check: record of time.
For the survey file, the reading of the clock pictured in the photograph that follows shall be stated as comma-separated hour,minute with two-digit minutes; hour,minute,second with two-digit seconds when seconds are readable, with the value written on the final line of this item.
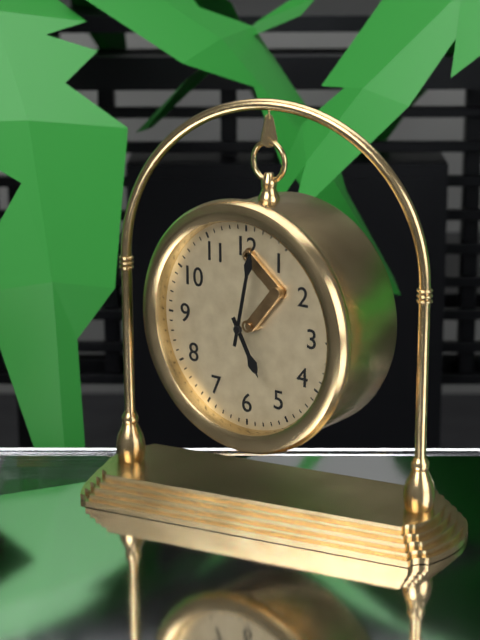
5,02
